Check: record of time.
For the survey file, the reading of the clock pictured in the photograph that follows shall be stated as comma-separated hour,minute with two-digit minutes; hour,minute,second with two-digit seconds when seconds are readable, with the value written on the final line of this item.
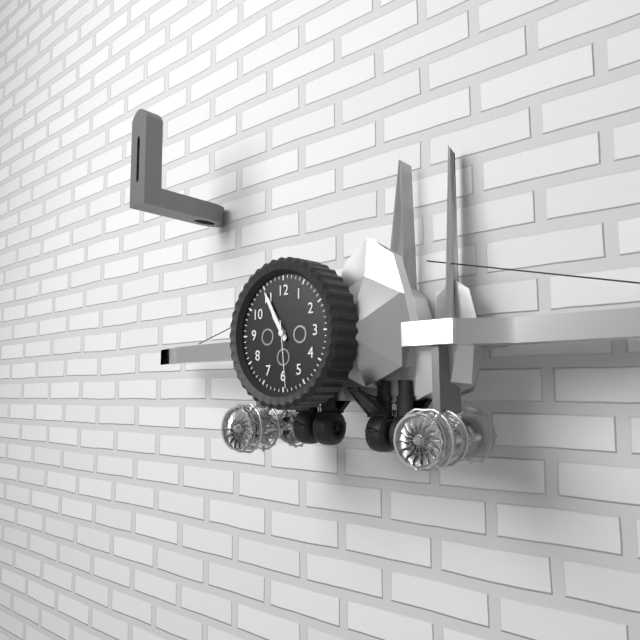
10,55,29
